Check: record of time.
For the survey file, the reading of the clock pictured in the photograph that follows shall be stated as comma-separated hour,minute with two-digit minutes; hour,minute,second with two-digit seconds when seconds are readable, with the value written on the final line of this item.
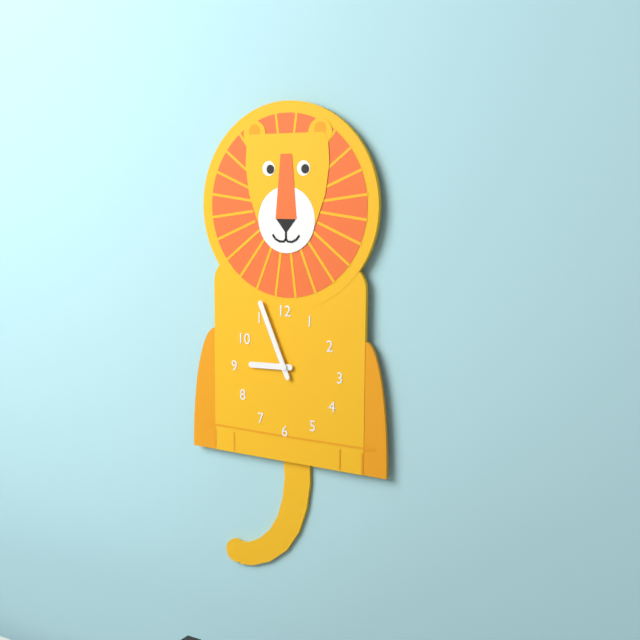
8,56
